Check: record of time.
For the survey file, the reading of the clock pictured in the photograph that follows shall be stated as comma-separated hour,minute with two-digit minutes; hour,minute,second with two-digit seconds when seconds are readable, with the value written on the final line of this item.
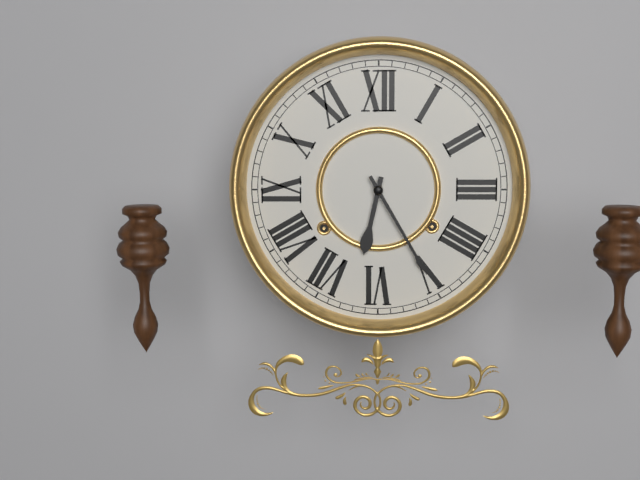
6,25
